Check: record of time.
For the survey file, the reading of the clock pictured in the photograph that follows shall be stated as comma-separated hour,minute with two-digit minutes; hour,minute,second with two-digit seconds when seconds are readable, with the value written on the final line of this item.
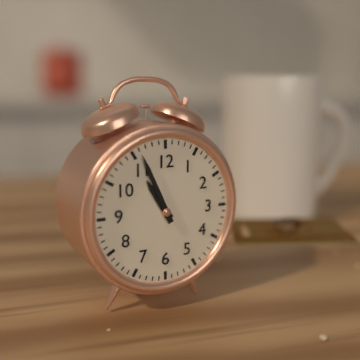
10,56
